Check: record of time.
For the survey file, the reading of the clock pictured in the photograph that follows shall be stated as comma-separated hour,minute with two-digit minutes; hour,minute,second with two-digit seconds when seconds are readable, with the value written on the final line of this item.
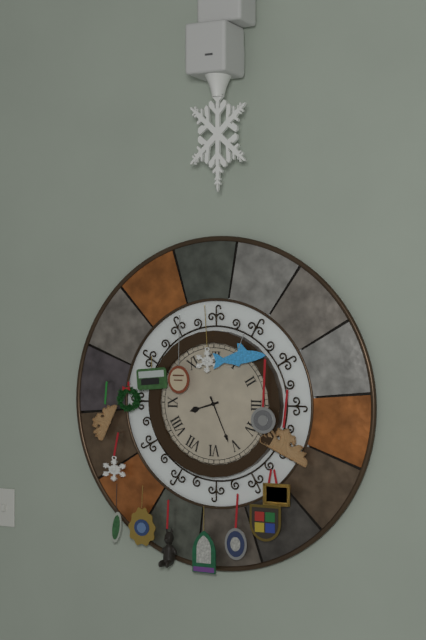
8,26
